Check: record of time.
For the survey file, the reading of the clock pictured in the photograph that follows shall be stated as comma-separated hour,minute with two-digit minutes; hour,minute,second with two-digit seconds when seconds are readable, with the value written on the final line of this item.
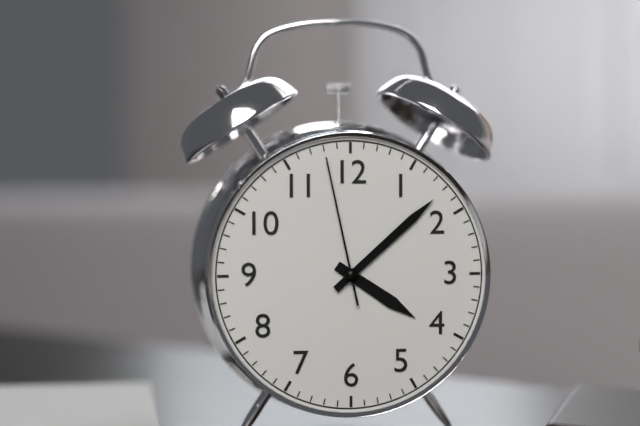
4,08,58
